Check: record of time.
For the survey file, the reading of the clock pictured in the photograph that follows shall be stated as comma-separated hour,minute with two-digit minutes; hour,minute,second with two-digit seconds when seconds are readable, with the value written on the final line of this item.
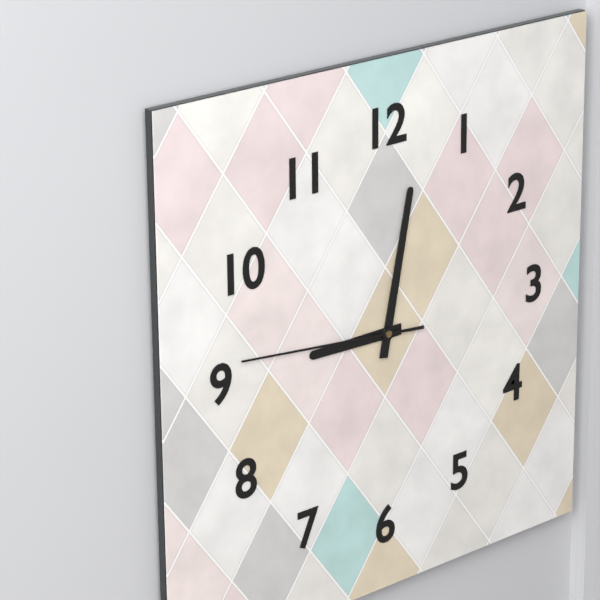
9,02,46
